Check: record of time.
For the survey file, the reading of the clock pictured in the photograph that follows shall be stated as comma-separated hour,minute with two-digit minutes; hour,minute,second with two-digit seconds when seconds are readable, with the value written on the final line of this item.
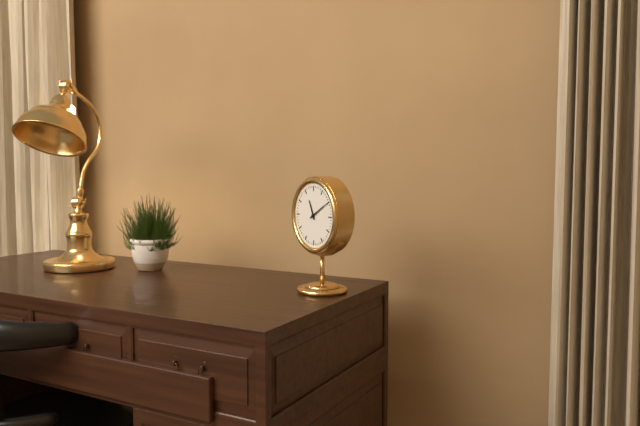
11,10
